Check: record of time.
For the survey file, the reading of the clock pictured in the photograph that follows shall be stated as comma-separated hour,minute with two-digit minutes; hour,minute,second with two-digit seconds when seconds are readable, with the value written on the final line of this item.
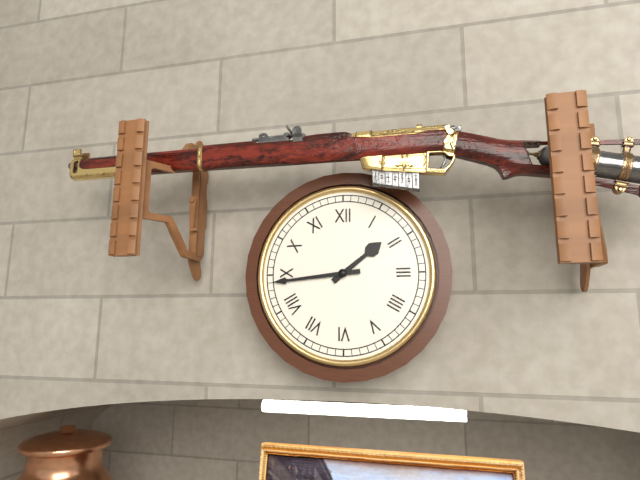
1,44
